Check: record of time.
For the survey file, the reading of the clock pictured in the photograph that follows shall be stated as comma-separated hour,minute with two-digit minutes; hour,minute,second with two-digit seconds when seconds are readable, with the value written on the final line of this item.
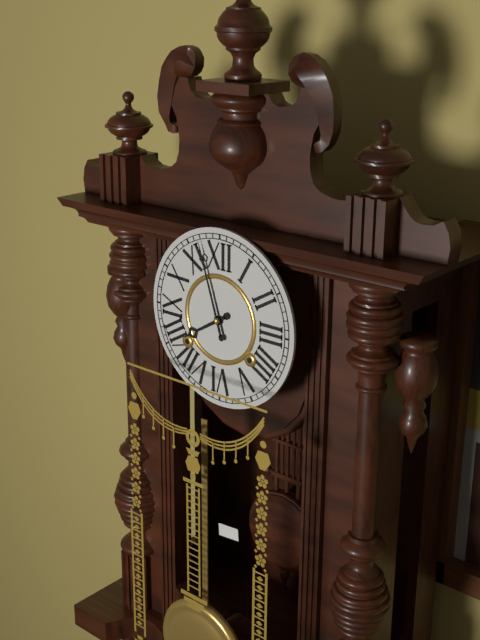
7,57
